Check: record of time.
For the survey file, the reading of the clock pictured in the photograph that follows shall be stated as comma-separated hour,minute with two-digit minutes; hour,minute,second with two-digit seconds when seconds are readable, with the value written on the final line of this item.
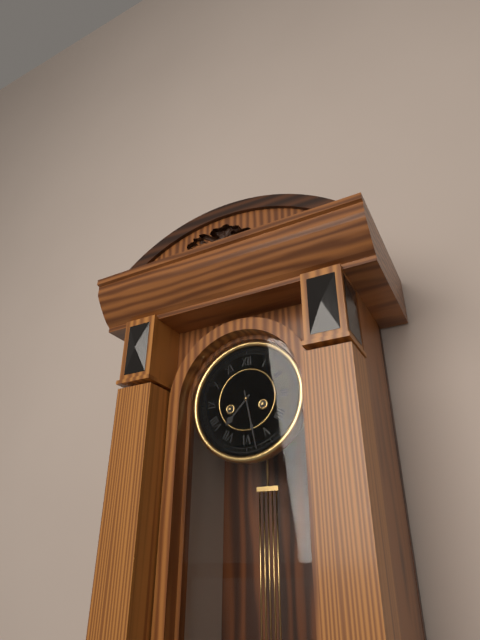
7,28
